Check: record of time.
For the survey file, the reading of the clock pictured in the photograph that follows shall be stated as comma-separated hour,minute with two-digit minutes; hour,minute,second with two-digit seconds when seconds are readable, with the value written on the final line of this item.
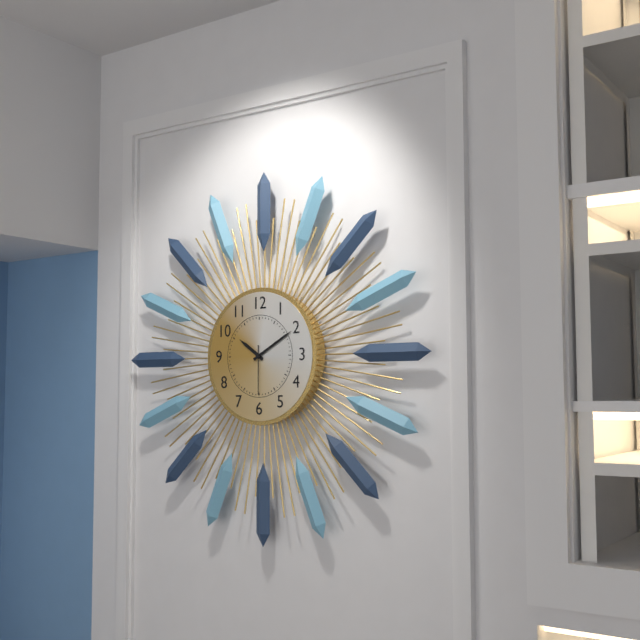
10,10
